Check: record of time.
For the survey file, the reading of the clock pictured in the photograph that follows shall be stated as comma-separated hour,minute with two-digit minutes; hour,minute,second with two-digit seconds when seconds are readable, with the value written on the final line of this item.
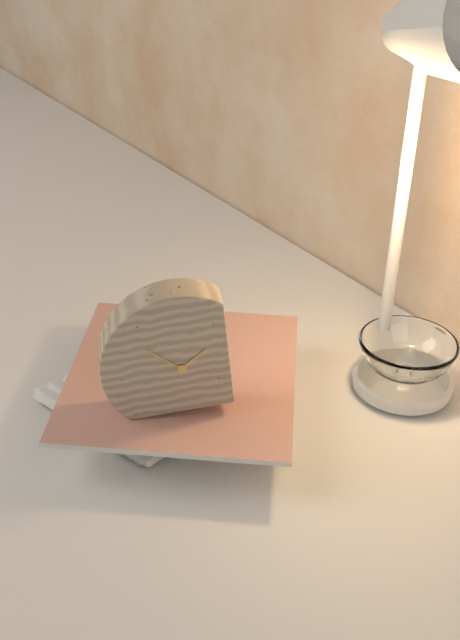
1,52
